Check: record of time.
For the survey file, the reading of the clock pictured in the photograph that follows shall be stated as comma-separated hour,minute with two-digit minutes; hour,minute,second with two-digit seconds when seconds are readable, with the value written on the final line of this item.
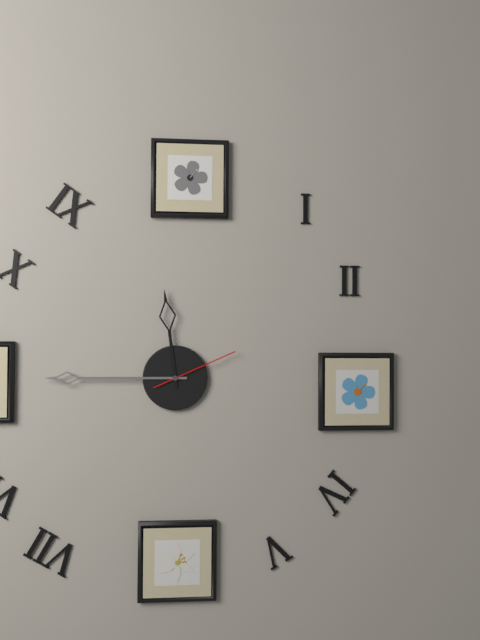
11,45,11
